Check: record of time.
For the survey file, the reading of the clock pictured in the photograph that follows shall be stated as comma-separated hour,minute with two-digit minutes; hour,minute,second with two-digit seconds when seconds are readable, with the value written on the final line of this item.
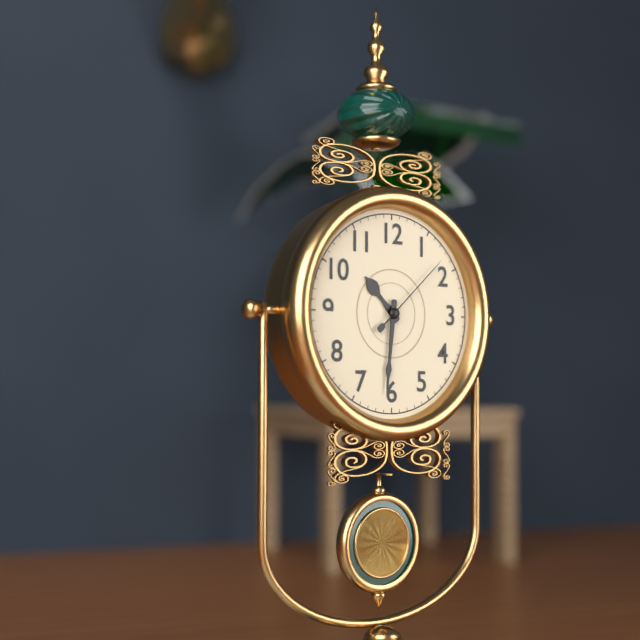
10,31,08
